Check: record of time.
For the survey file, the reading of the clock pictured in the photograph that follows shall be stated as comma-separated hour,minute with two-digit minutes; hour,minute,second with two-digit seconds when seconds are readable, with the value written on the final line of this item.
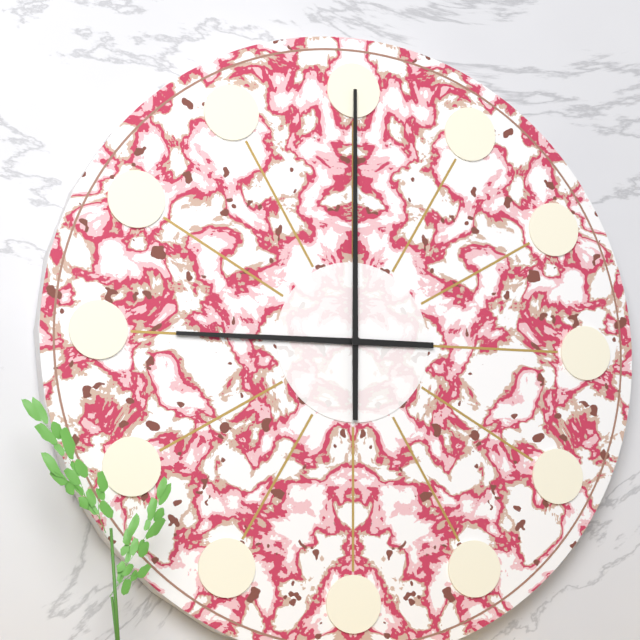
9,00
